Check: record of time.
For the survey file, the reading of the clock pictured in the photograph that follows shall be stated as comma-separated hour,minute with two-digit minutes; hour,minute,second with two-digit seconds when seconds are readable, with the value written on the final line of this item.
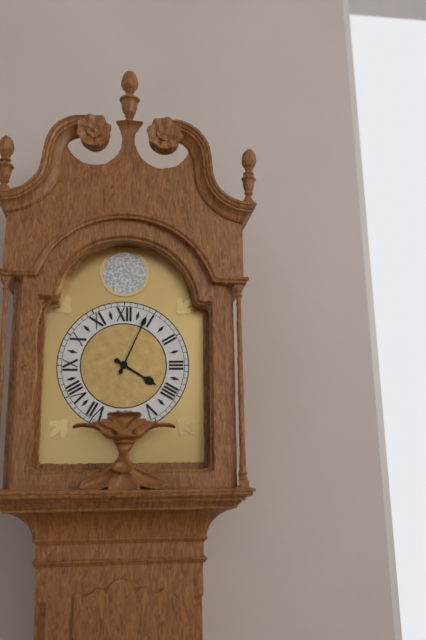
4,04
